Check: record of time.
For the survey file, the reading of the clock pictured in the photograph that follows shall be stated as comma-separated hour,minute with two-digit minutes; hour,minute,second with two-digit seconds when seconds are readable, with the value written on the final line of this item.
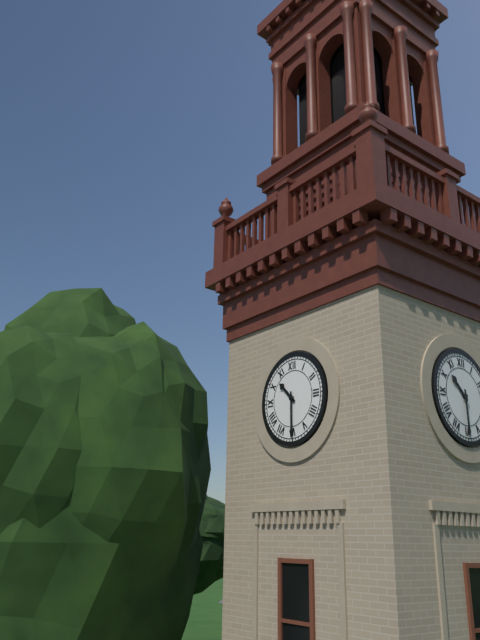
10,30
